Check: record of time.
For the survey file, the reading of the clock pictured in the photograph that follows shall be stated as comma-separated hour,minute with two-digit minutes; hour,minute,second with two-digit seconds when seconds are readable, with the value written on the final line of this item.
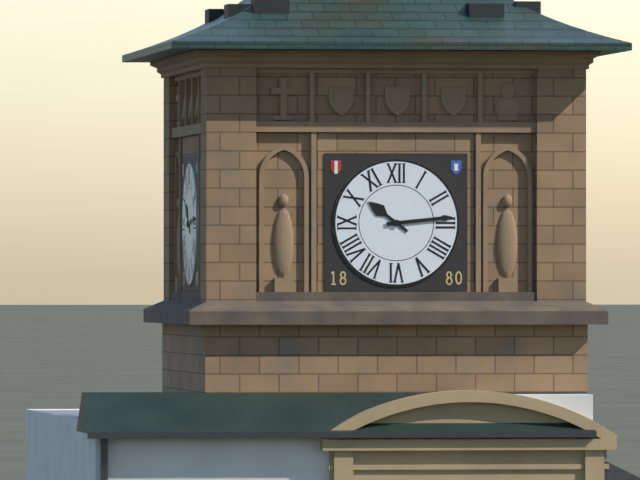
10,14
